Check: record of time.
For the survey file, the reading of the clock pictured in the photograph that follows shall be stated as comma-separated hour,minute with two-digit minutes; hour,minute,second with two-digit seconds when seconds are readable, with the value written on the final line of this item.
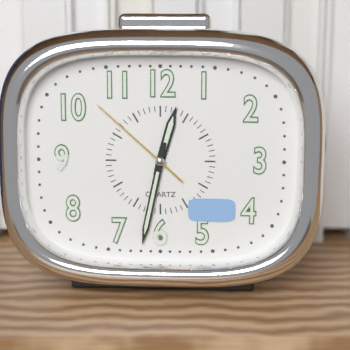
12,32,52
